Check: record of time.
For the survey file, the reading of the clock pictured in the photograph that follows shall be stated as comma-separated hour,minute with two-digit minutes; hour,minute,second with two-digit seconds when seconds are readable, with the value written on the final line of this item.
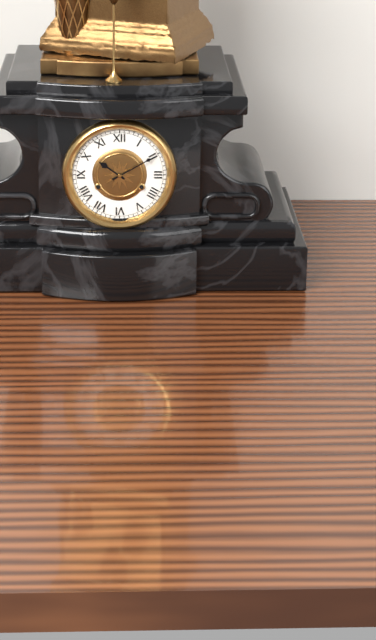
10,10
